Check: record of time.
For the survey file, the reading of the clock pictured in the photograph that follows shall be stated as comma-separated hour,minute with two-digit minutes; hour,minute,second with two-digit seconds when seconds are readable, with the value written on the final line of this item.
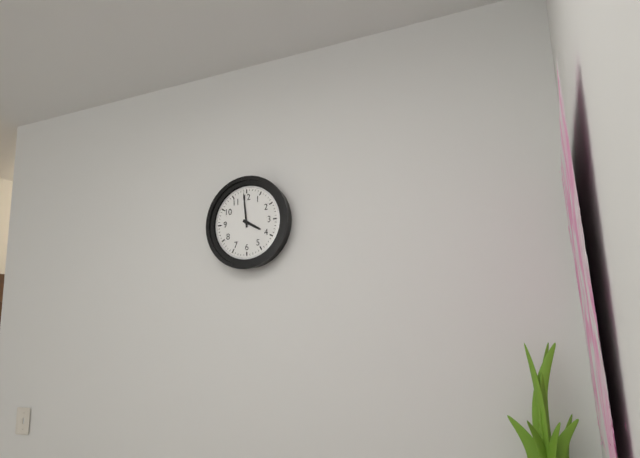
3,59
